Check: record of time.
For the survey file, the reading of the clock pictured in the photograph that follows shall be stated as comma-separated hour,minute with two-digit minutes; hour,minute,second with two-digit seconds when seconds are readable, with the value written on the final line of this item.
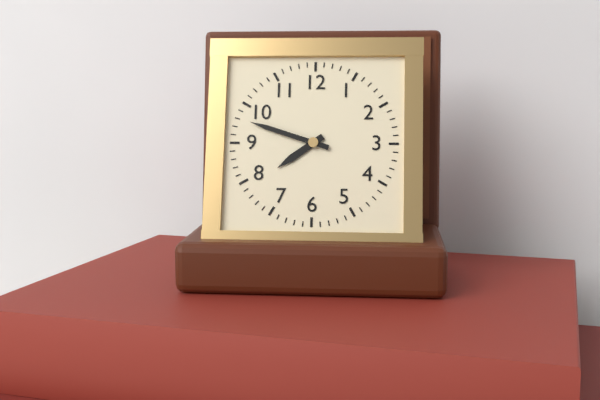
7,48
